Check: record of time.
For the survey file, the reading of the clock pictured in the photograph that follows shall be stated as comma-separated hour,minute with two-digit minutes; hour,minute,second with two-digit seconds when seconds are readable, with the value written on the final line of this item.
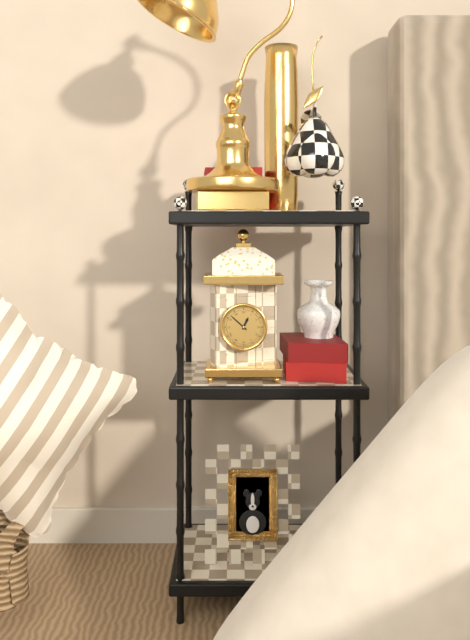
12,52
